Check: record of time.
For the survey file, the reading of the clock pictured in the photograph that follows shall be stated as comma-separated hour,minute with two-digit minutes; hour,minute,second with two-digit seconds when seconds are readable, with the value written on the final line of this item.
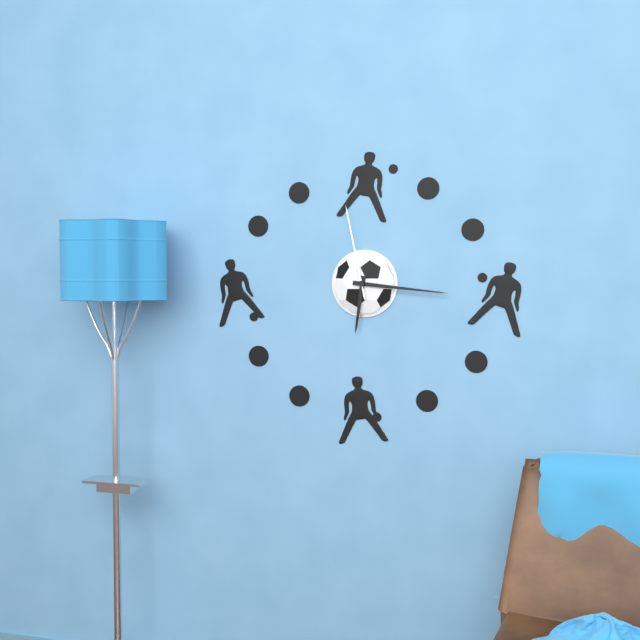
6,16,58
